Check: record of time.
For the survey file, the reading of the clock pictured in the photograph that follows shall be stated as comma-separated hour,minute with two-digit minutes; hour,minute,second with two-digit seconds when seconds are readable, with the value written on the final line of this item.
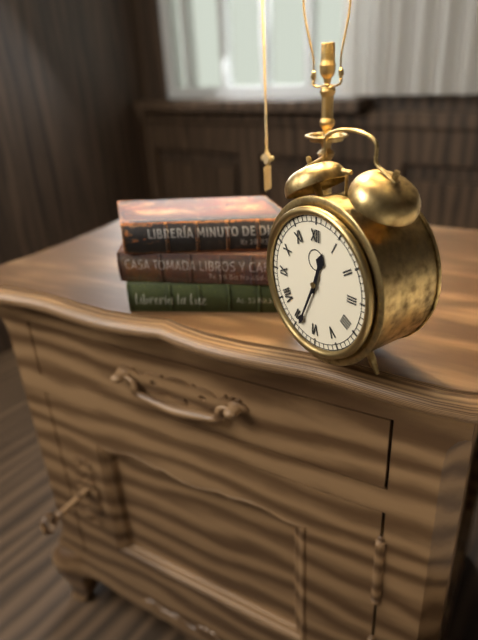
12,34
